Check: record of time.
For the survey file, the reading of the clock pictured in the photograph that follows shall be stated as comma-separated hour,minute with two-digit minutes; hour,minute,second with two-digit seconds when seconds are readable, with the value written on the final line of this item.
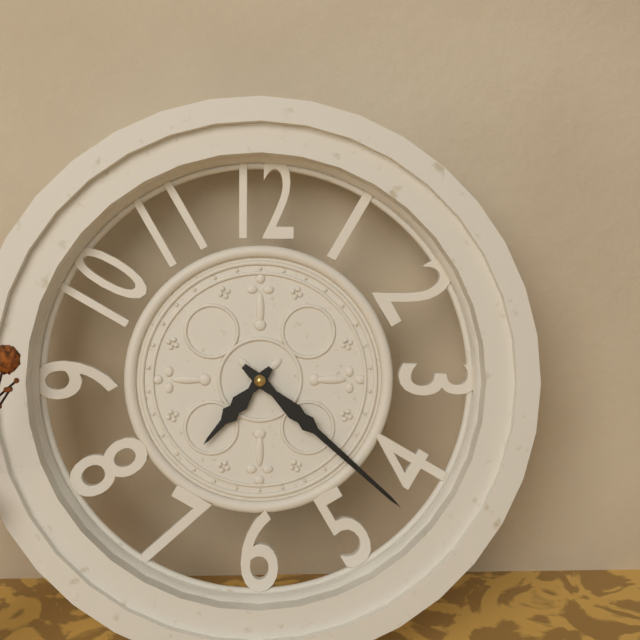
7,22
